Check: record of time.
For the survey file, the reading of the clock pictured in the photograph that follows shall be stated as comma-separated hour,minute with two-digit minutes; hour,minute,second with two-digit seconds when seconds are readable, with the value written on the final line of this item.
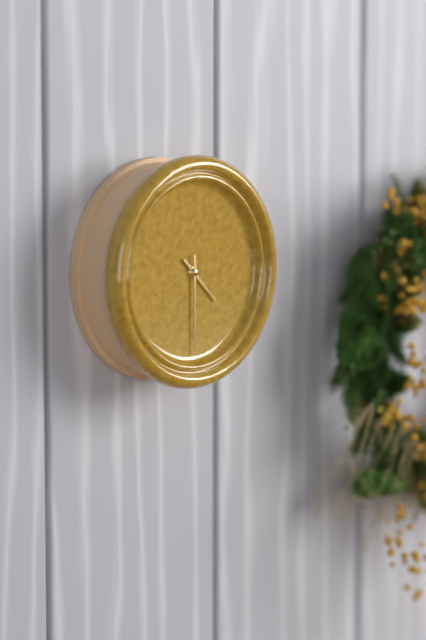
4,30
